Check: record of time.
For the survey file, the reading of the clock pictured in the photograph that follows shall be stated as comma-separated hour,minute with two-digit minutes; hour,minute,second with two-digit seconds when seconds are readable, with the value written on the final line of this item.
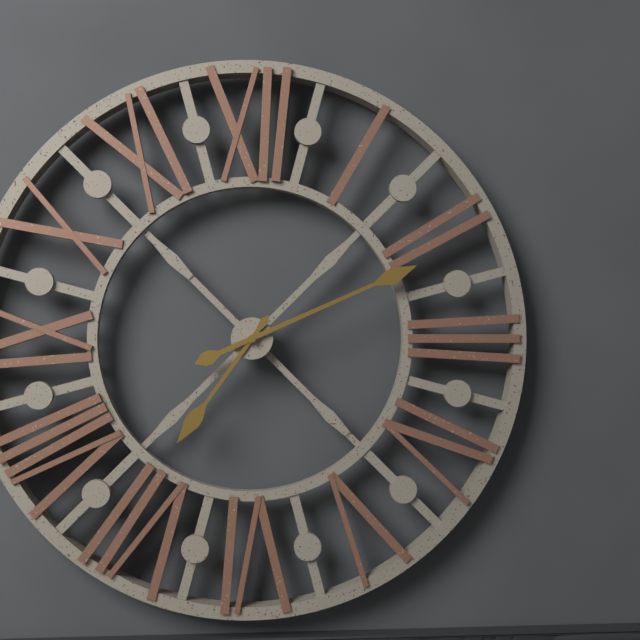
7,11
